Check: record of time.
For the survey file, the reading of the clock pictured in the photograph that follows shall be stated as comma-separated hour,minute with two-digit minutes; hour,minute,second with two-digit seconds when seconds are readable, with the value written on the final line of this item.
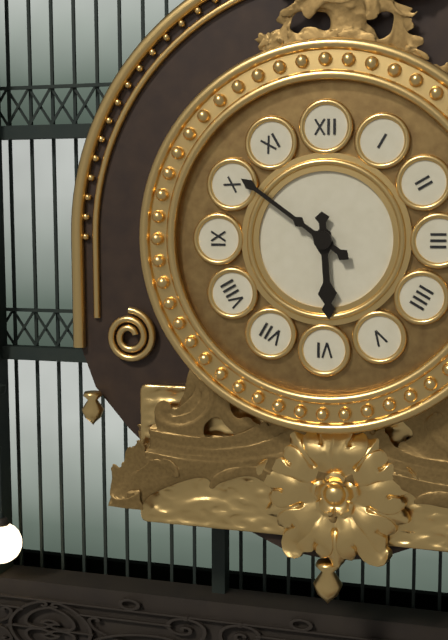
5,51
